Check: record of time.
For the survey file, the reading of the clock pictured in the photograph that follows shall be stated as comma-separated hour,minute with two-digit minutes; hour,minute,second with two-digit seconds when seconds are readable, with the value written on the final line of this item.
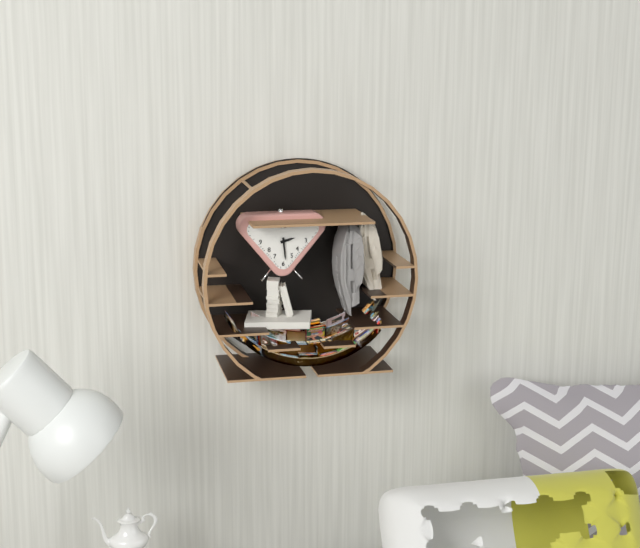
2,29
